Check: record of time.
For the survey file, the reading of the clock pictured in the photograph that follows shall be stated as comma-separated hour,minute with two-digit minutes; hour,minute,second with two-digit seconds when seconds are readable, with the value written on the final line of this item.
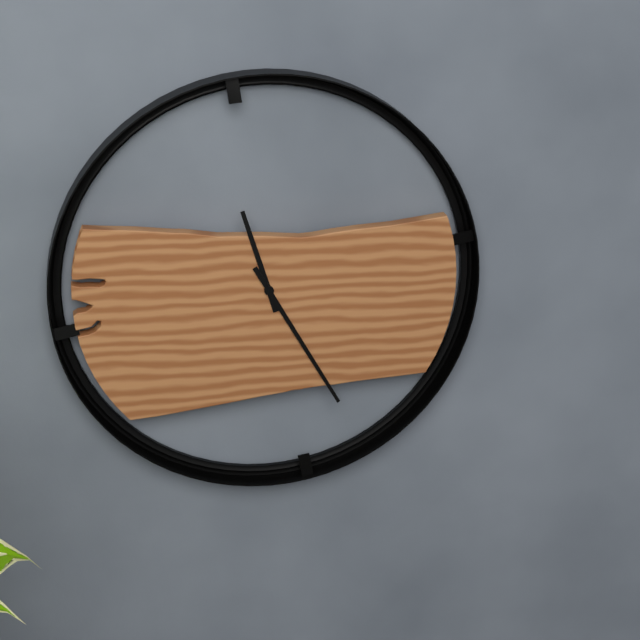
11,25
